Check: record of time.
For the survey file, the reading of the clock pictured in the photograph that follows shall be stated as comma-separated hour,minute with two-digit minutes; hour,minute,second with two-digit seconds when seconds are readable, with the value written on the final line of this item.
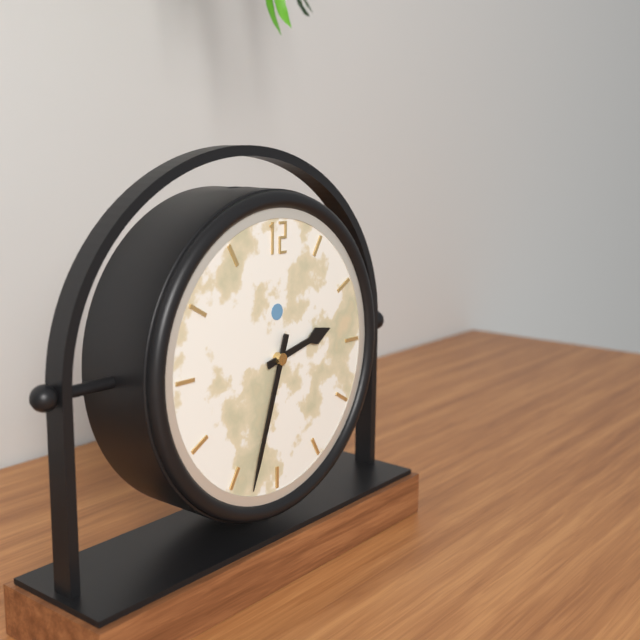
2,33
